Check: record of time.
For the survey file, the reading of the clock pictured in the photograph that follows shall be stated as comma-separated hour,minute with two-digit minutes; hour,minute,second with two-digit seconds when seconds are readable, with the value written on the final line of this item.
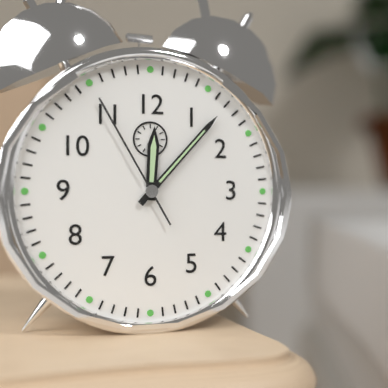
12,07,55
